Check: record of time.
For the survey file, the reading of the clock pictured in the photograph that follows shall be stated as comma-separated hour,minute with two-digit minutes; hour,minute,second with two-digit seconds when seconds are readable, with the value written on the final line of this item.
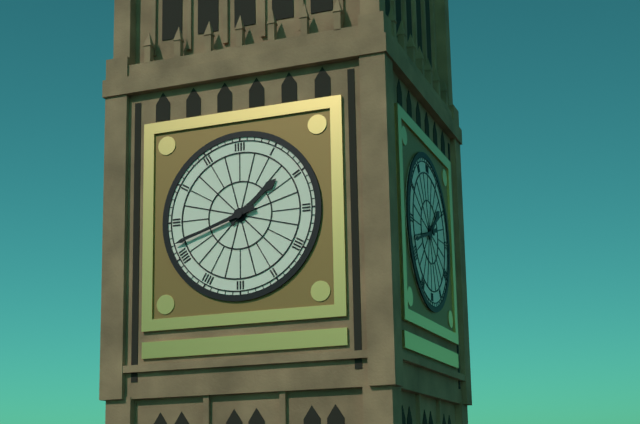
1,42
